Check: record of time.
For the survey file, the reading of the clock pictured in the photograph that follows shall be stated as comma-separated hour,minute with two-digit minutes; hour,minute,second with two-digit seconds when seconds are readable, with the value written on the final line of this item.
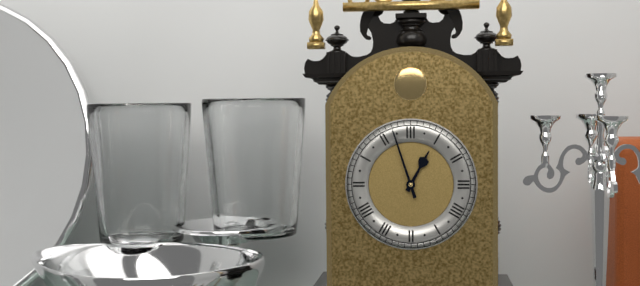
12,57
